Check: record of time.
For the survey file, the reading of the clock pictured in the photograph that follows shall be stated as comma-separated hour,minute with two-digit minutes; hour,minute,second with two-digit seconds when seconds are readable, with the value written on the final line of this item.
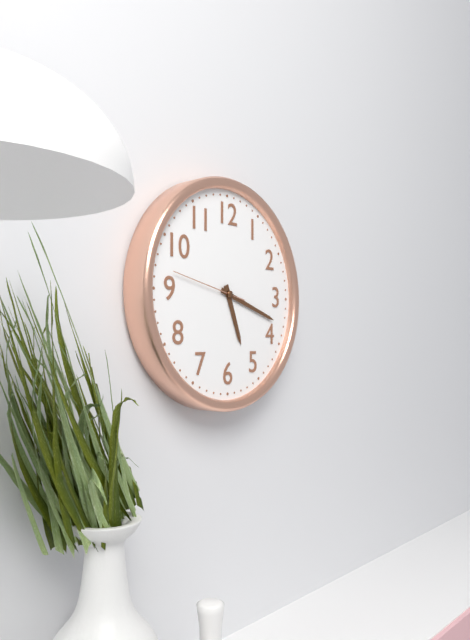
5,18,47
